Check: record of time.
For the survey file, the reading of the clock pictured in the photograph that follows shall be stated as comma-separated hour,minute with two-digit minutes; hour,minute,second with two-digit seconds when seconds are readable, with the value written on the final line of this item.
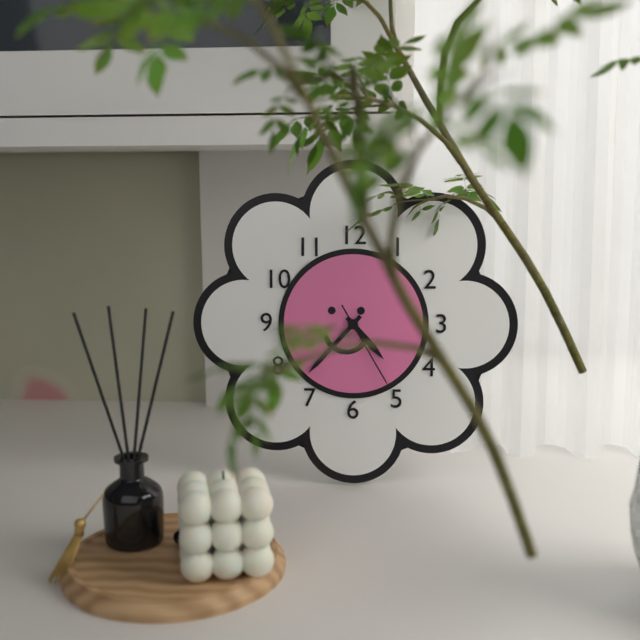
4,37,25
